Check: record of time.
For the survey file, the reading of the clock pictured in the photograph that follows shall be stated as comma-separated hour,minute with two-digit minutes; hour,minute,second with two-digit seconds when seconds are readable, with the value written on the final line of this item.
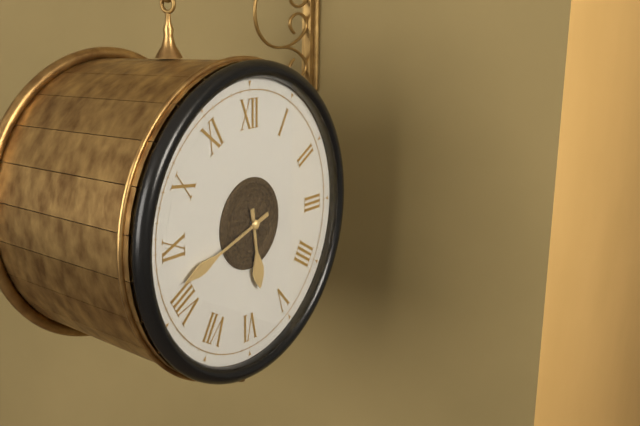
5,42
